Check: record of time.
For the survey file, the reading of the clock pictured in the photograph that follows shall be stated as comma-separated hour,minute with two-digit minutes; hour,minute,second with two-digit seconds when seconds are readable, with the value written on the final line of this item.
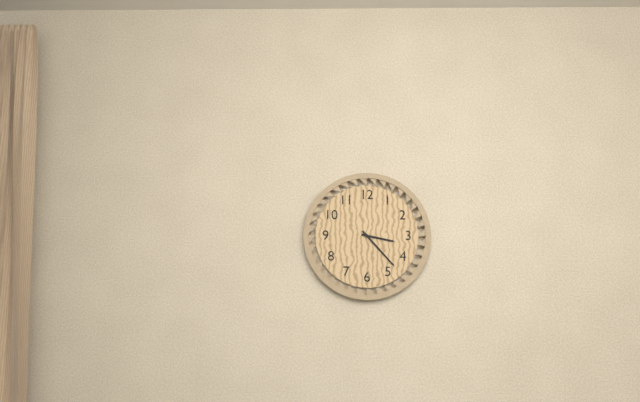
3,23
